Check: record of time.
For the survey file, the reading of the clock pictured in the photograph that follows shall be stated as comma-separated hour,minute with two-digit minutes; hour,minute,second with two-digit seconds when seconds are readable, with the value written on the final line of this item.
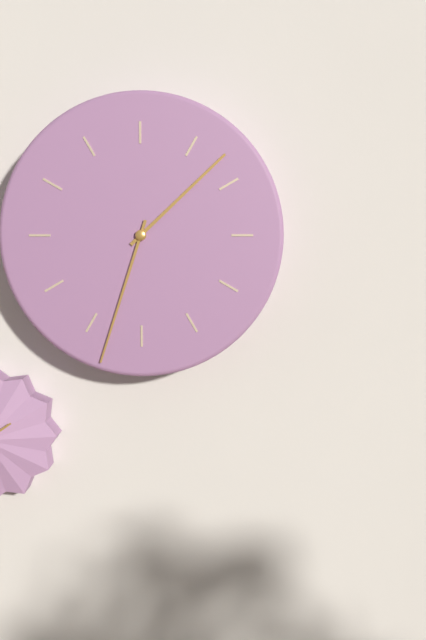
1,33
